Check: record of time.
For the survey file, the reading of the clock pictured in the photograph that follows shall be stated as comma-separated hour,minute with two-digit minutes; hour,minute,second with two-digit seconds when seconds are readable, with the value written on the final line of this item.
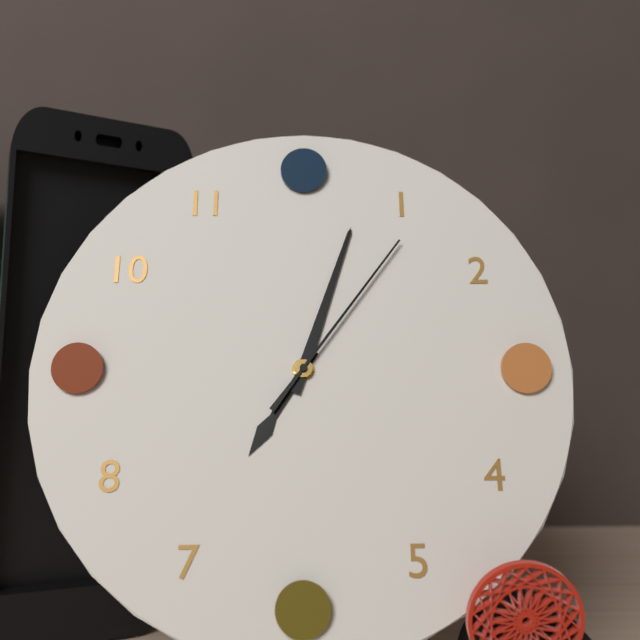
7,03,06
